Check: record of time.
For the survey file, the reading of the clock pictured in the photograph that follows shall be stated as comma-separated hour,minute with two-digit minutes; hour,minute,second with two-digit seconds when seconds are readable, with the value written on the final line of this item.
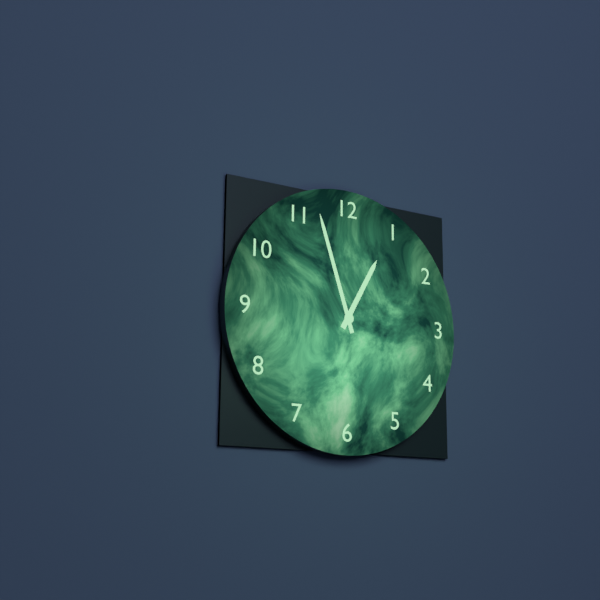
12,57
